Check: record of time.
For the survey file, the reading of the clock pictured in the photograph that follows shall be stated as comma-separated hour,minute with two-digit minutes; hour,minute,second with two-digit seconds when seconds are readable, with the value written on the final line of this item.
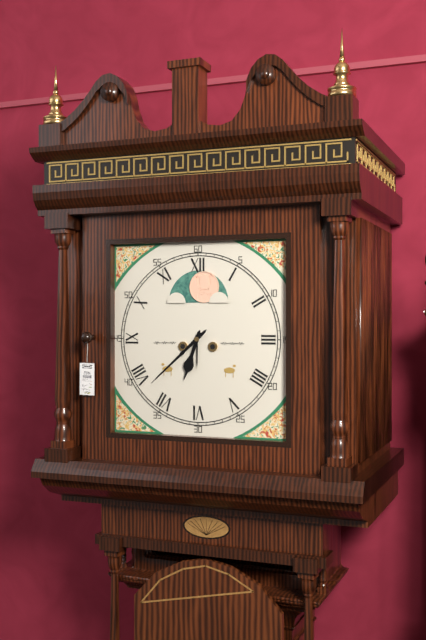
6,38
